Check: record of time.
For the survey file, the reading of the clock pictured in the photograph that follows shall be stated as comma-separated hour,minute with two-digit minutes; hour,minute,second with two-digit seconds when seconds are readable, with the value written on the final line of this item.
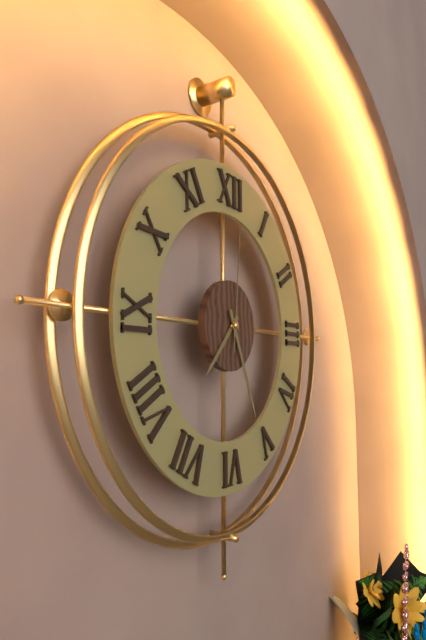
7,26,01
